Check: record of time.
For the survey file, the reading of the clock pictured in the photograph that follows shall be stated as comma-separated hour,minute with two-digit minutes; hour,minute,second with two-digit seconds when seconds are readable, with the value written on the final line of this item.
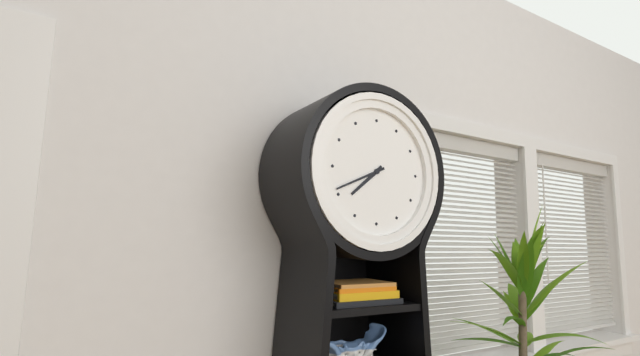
7,41
